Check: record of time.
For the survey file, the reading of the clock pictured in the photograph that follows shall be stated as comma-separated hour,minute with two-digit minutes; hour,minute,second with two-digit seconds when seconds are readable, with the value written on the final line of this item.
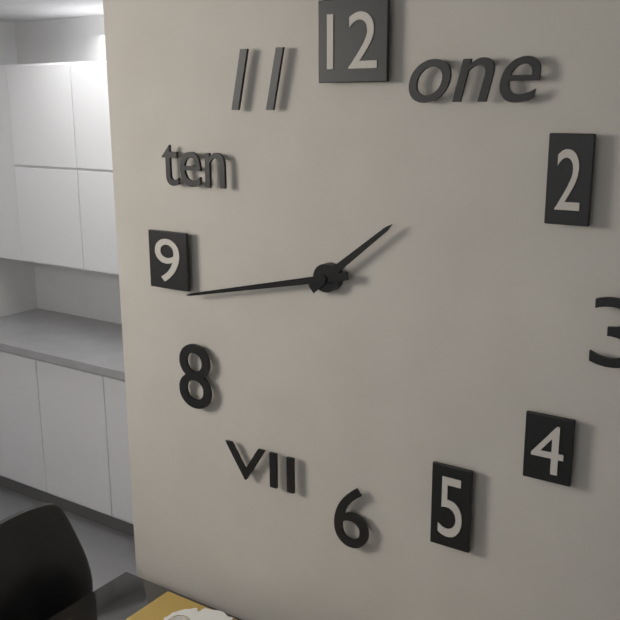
1,43
